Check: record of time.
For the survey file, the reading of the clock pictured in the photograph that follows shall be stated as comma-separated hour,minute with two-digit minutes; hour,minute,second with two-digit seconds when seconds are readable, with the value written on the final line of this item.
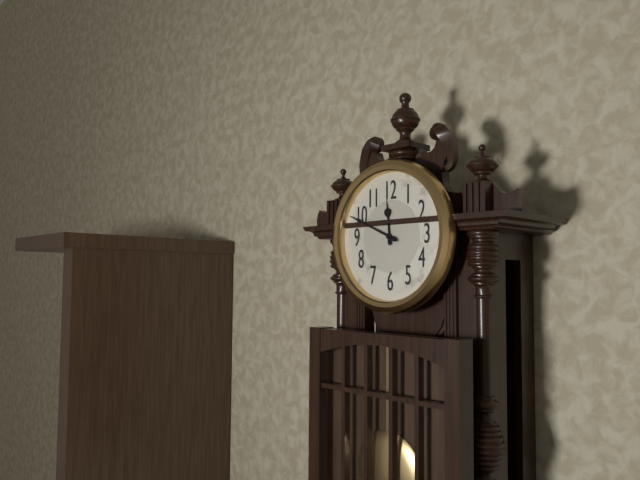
11,49
